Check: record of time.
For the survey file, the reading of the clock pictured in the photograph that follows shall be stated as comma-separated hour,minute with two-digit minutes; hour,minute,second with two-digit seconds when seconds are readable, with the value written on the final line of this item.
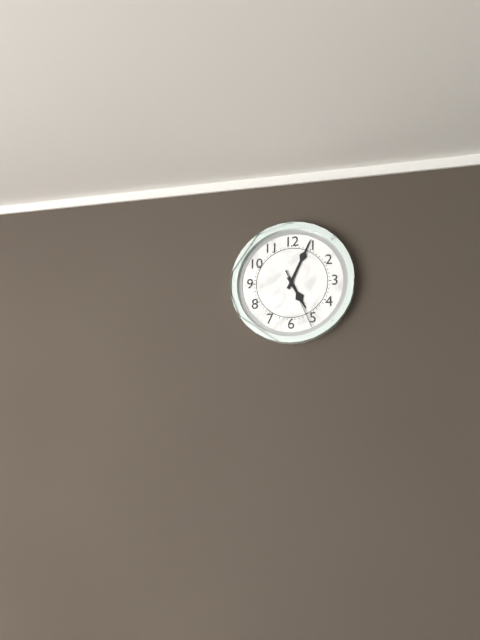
5,04,26
